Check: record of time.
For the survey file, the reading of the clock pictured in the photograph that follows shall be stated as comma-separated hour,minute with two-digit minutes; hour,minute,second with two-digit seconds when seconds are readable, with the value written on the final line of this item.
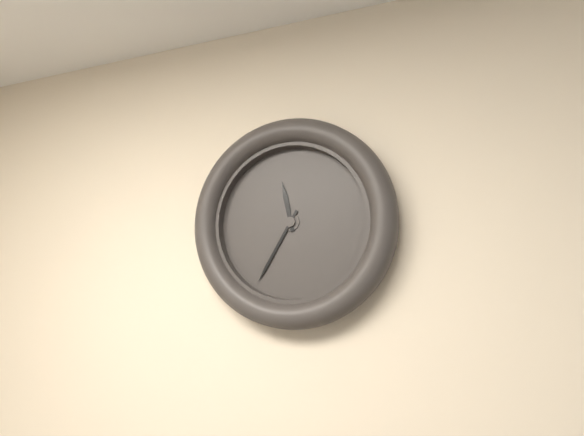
11,35
